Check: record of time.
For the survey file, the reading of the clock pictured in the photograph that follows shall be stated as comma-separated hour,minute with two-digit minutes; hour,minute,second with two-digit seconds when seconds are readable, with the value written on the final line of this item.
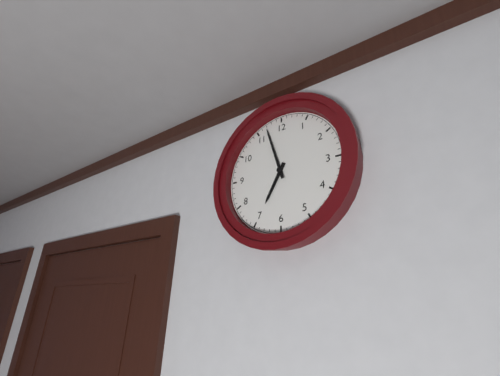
6,57
